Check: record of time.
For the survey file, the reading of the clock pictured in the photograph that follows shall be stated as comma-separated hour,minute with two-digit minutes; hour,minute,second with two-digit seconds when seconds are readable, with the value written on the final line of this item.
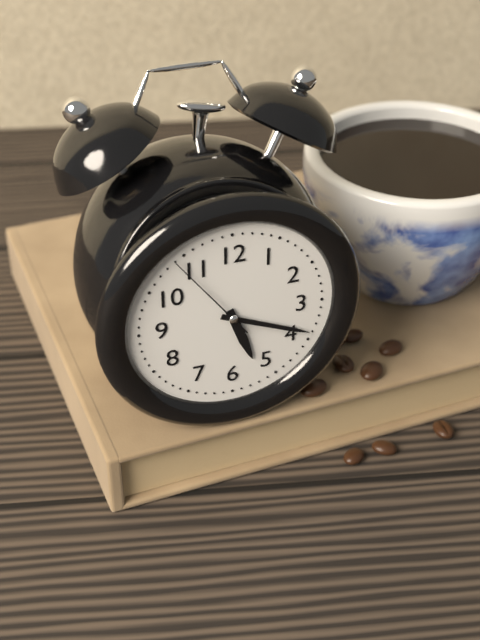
5,19,54
